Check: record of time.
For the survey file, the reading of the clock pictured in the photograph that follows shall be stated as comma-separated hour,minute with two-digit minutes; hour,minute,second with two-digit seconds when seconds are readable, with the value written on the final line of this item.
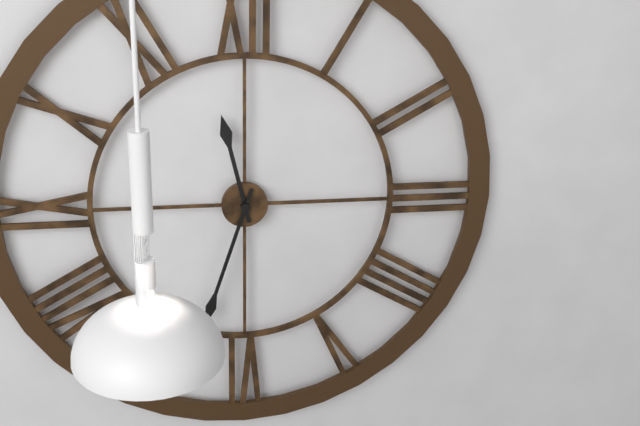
11,33
